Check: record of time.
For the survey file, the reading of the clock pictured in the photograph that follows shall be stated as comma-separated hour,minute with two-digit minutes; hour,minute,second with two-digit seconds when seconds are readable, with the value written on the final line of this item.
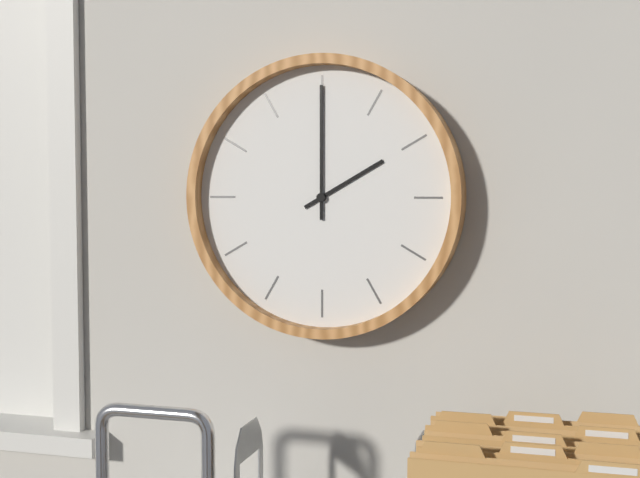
2,00
